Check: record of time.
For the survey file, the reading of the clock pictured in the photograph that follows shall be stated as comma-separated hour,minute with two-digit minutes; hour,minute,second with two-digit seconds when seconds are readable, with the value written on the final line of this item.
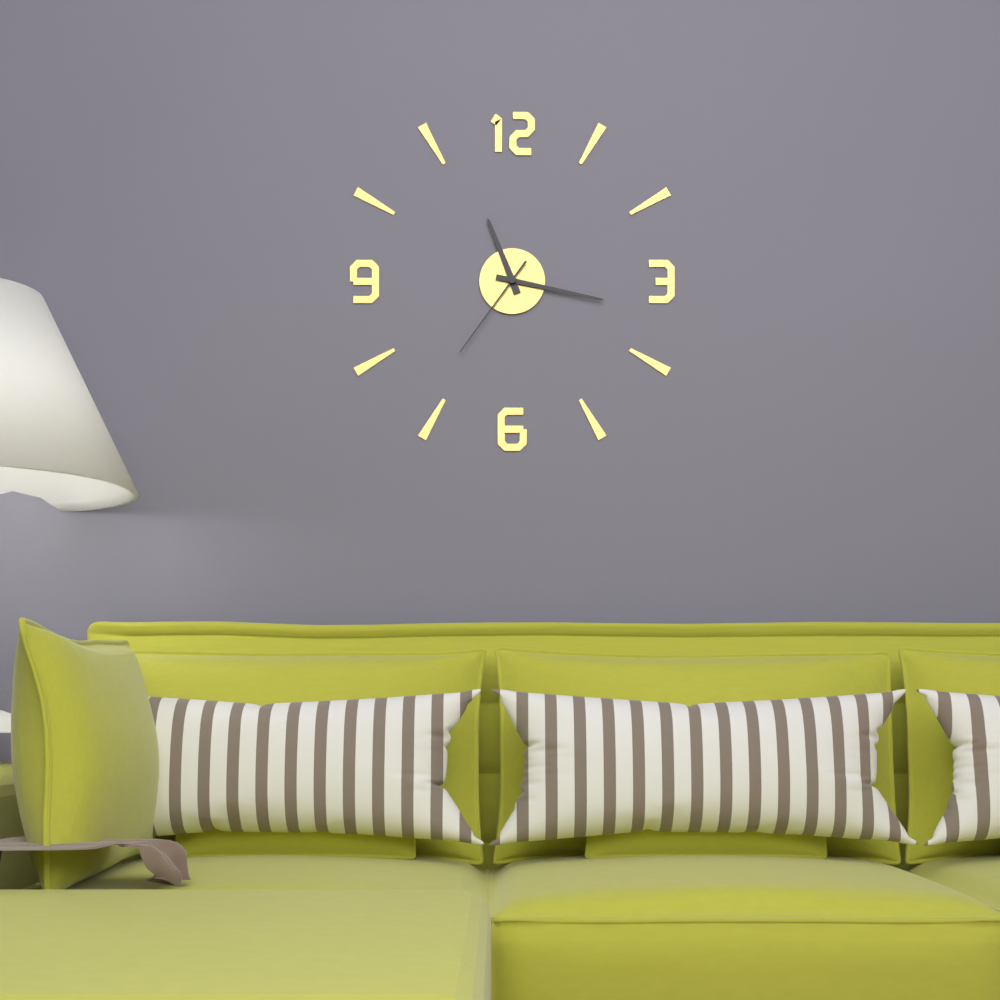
11,17,36
